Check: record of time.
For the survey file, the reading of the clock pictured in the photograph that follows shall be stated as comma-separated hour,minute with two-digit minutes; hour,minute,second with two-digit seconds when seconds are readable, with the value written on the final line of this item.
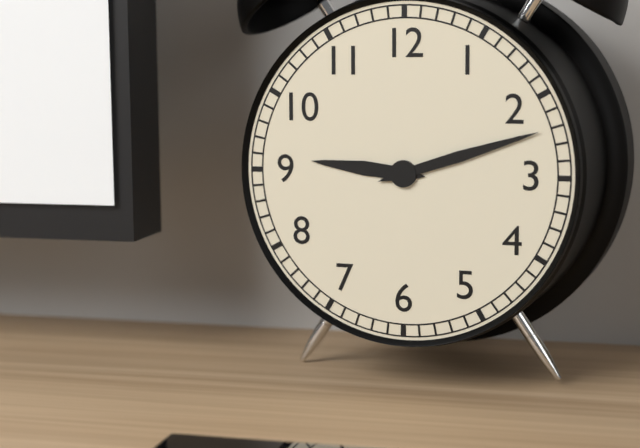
9,12
